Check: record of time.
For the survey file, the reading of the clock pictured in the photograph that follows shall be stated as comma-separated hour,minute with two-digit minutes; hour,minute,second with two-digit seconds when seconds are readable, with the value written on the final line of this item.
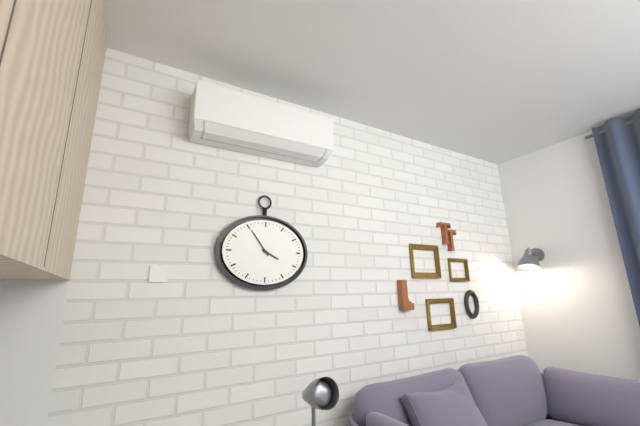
3,54
